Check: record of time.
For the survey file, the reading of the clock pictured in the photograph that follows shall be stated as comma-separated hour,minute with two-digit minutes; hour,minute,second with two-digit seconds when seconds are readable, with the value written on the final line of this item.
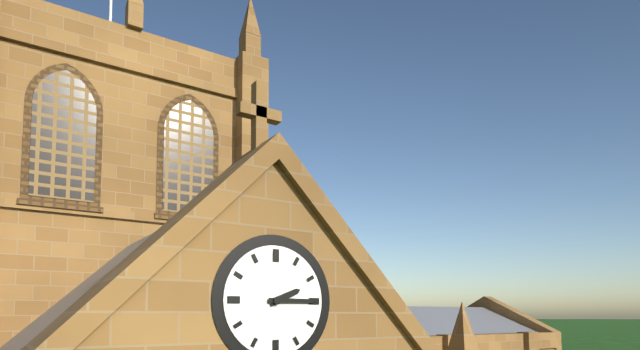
2,15
